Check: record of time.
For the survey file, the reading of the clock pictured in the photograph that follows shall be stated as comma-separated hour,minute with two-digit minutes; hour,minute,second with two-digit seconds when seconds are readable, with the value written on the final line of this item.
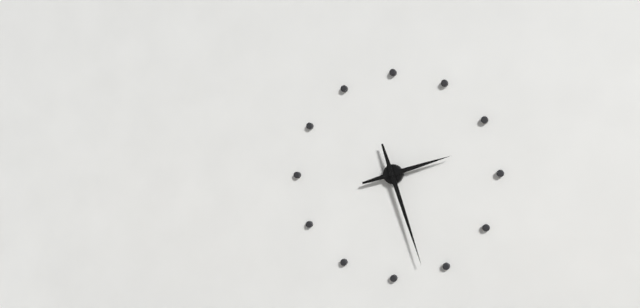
2,27
